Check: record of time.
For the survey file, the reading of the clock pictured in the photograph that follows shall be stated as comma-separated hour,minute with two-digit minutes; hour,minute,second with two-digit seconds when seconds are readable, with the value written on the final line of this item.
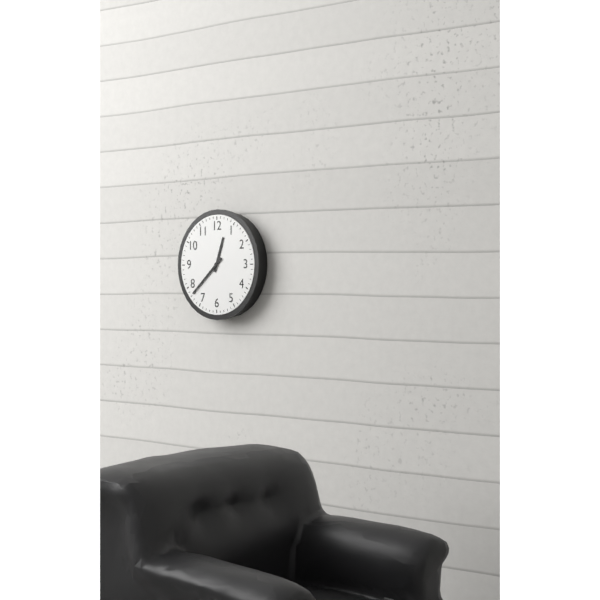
12,38
